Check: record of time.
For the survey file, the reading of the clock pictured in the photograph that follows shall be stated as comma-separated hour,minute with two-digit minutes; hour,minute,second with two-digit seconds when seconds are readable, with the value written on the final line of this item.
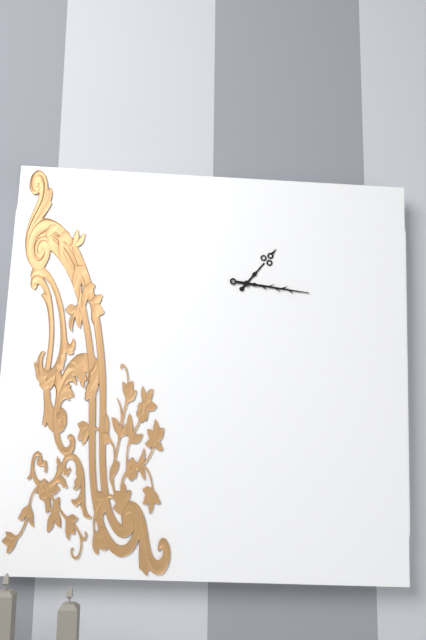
1,16
